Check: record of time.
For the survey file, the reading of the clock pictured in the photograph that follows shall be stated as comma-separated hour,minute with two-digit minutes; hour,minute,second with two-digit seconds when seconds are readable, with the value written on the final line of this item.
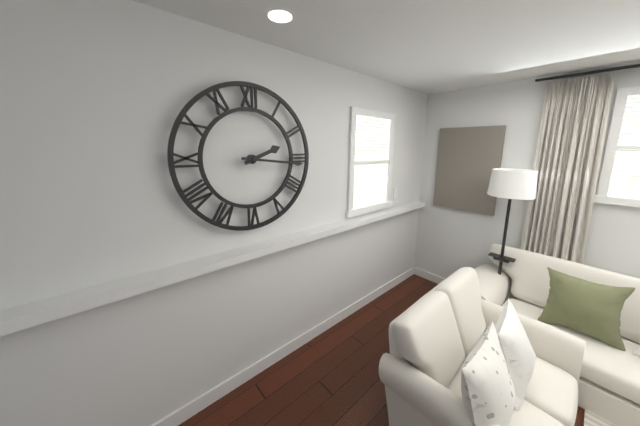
2,16
